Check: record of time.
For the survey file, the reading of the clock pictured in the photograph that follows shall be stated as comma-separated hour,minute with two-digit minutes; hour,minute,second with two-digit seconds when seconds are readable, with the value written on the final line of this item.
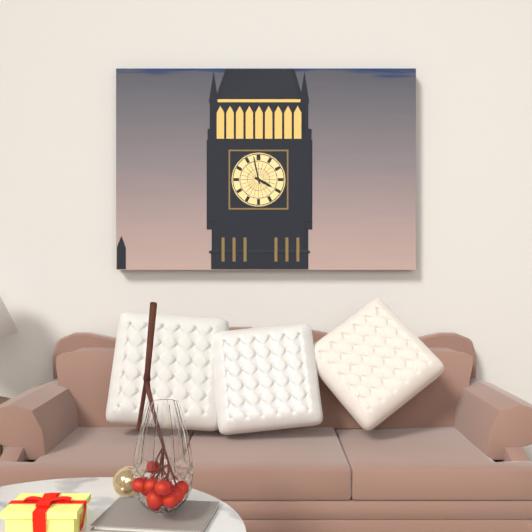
3,58
